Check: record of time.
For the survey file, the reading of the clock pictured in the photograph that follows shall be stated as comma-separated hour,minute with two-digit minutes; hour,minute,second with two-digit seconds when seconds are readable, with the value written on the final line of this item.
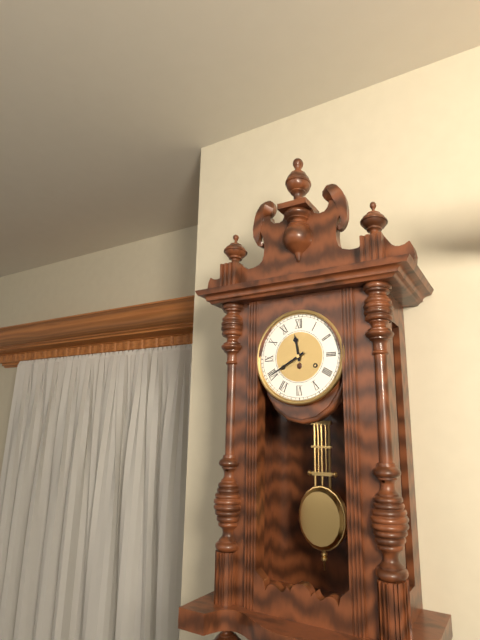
11,40
